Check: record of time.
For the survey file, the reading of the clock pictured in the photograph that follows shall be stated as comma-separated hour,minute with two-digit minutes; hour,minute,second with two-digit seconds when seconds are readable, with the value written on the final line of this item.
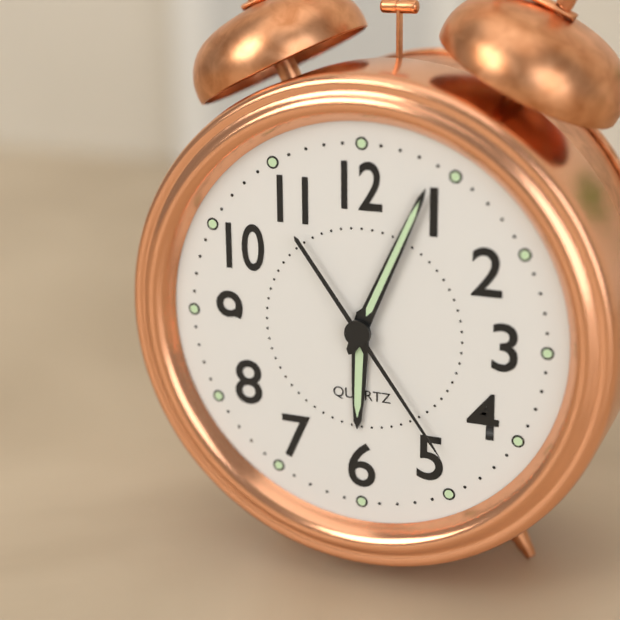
6,04,24
